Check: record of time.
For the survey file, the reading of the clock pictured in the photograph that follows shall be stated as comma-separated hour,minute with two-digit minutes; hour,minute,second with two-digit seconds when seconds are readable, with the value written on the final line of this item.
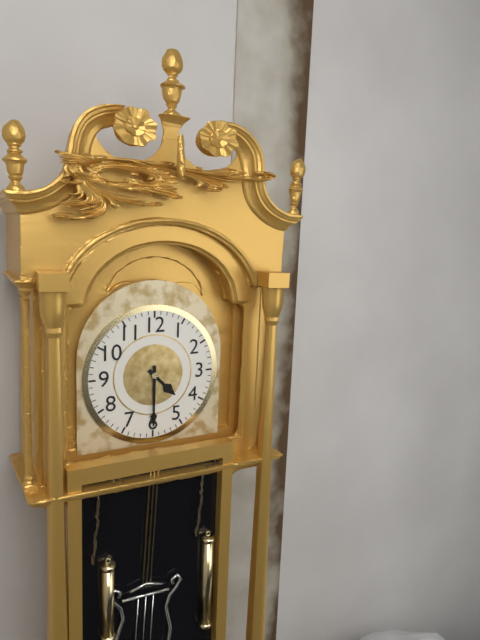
4,30
